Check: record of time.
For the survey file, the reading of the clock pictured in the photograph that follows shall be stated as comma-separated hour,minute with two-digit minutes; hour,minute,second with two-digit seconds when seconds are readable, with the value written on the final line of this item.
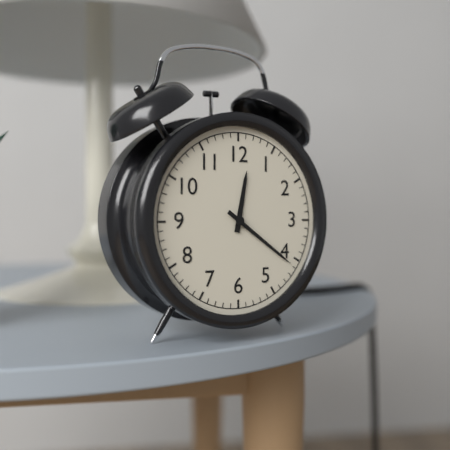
12,21
